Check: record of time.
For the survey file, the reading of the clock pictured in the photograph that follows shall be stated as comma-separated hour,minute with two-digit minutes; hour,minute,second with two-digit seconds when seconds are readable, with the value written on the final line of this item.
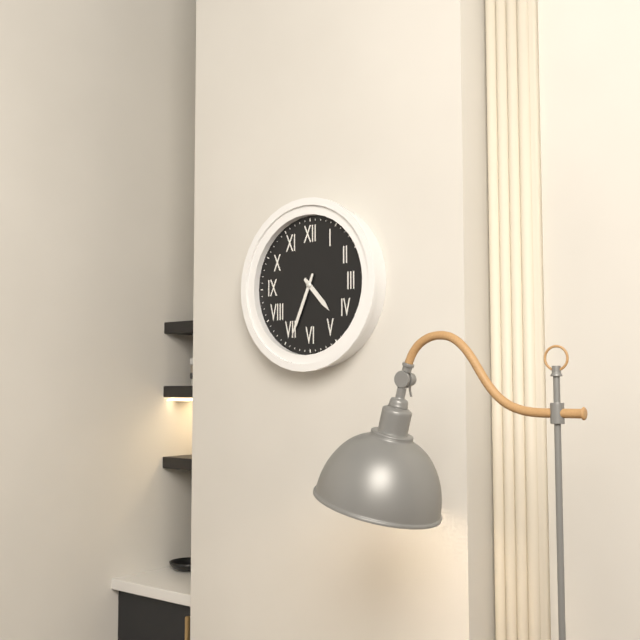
4,34
